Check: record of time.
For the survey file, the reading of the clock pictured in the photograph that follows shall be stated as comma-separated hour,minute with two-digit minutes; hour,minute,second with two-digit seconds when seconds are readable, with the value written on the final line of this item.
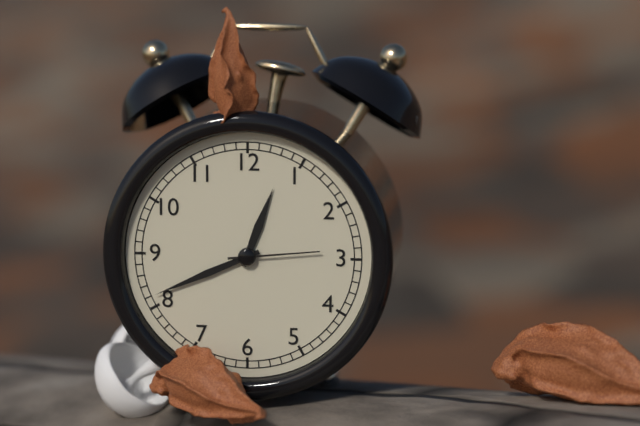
12,41,14
